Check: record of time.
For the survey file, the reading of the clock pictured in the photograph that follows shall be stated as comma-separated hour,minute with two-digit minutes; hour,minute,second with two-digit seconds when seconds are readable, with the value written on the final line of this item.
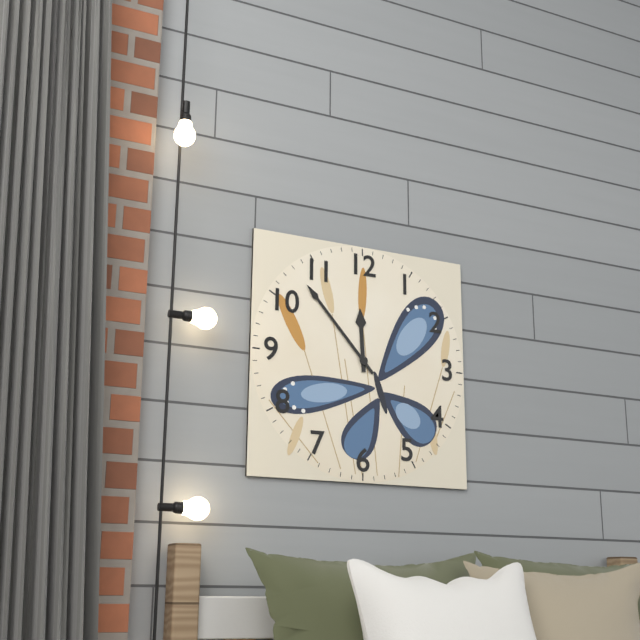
11,53
